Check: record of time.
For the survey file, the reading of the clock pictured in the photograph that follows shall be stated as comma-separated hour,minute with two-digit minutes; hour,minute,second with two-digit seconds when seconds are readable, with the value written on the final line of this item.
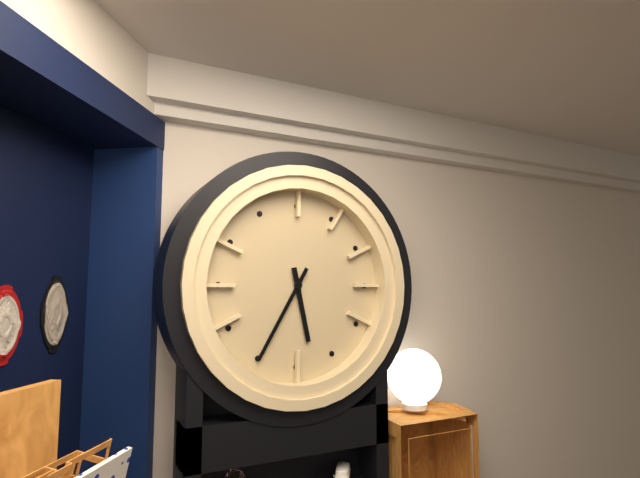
5,35
